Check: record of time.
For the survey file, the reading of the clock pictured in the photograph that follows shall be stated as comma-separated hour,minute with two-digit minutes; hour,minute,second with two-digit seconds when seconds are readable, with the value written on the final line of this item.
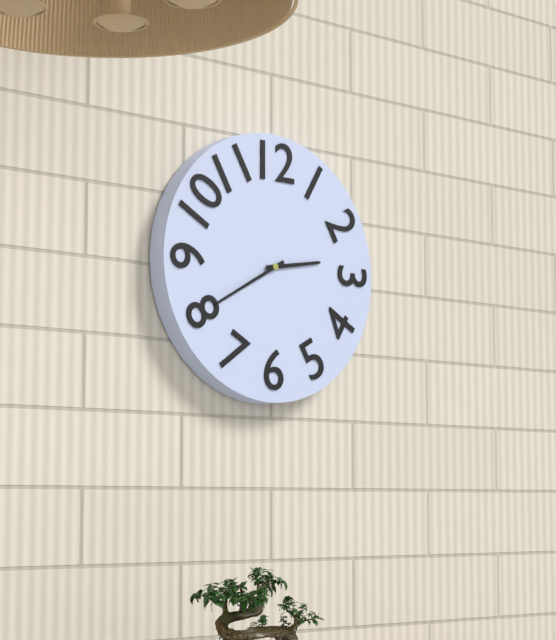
2,40
